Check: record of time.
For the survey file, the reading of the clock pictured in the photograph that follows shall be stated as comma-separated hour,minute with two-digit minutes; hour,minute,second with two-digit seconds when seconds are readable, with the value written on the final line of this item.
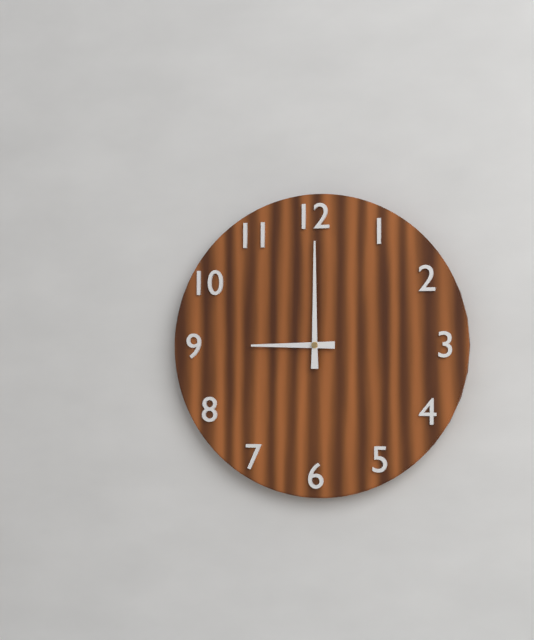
9,00
